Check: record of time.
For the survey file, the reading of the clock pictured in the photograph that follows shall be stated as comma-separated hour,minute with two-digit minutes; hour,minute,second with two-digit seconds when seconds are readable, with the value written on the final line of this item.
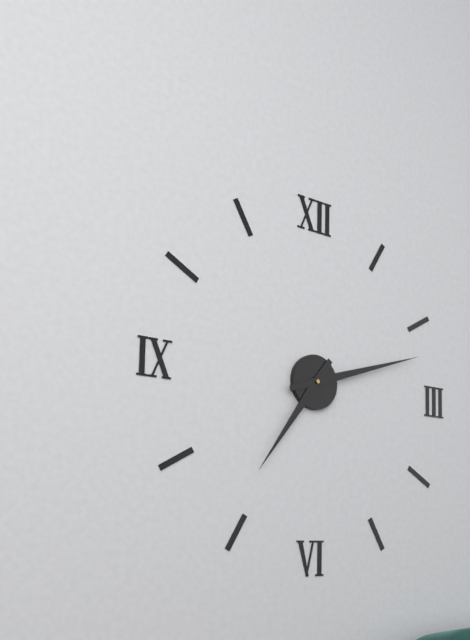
7,12
